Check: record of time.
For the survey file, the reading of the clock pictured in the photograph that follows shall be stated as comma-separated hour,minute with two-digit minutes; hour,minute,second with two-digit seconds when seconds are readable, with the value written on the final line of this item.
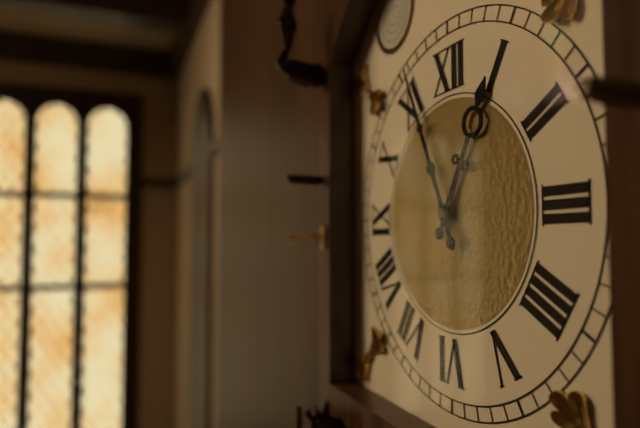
12,56
